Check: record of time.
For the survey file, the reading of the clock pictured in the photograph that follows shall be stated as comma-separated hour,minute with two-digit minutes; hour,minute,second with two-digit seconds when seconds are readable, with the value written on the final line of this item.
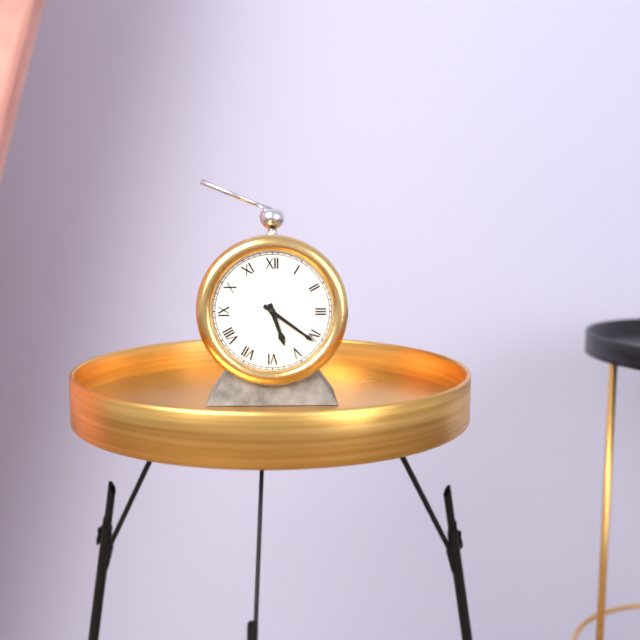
5,21
